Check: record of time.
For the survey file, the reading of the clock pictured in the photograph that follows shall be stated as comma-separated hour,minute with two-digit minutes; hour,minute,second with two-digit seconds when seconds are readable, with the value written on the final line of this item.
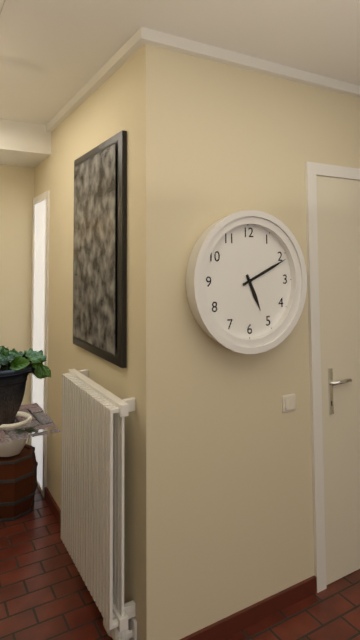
5,11
